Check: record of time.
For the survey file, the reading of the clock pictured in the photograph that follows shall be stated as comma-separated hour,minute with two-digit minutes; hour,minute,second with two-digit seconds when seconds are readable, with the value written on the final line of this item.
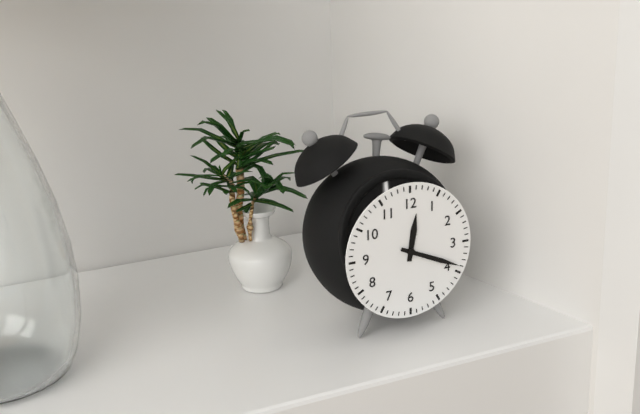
12,19
